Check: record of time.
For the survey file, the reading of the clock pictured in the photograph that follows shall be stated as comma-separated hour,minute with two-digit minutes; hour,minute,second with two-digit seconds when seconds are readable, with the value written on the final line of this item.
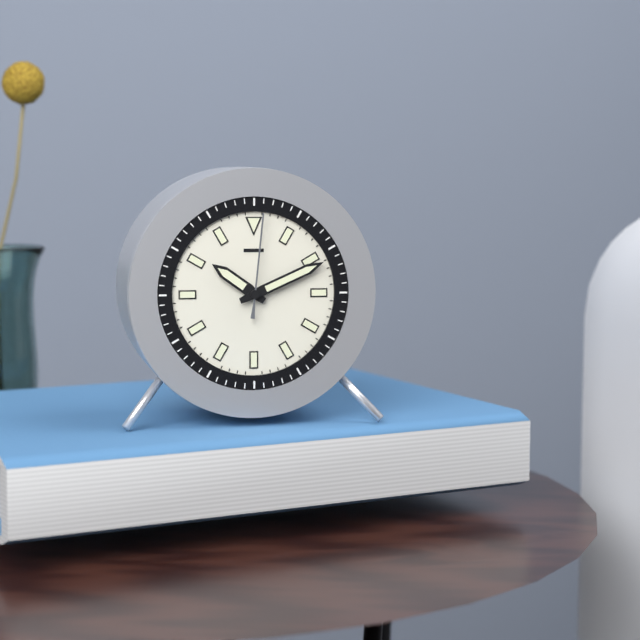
10,11,01
